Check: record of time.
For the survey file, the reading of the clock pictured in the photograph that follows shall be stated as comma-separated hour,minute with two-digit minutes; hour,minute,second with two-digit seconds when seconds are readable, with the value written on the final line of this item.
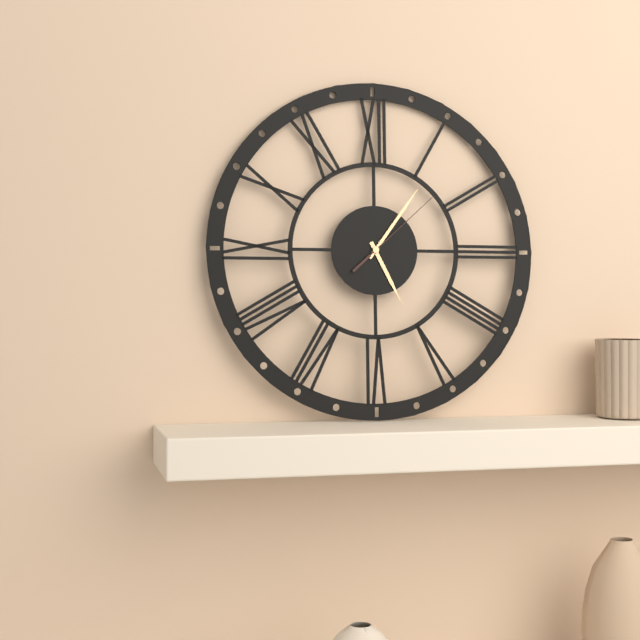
5,06,08
